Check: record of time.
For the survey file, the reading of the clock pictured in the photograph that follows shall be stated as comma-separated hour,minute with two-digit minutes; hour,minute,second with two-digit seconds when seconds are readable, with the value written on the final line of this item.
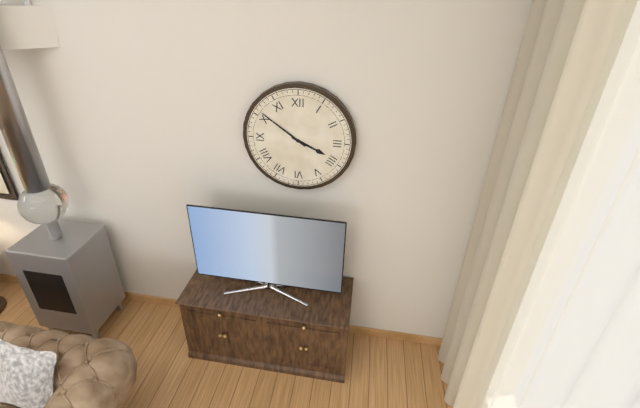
3,51
